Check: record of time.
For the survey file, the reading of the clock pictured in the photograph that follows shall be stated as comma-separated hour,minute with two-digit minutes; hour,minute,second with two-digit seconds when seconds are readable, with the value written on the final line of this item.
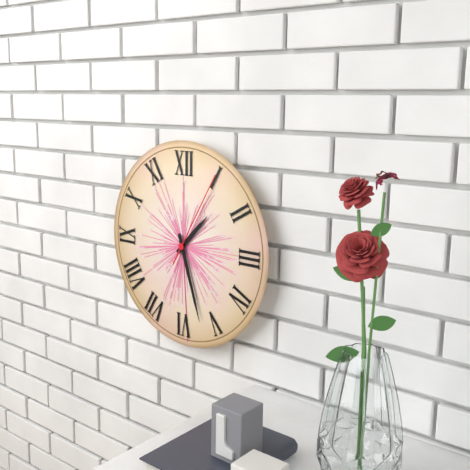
1,27,05
